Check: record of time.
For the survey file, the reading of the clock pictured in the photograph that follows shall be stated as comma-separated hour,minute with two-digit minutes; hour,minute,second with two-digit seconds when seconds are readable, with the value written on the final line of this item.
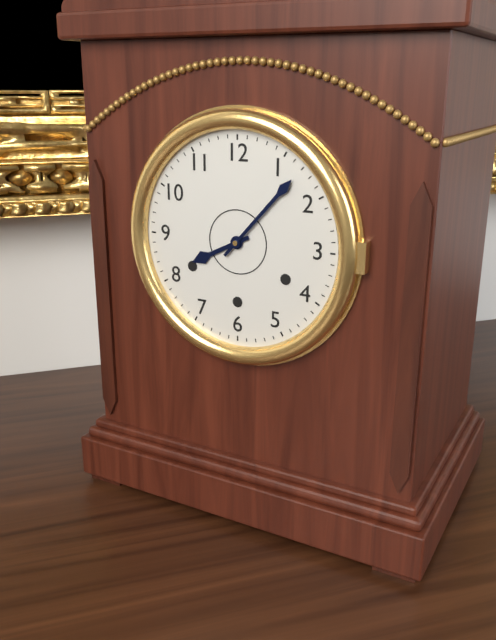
8,07
